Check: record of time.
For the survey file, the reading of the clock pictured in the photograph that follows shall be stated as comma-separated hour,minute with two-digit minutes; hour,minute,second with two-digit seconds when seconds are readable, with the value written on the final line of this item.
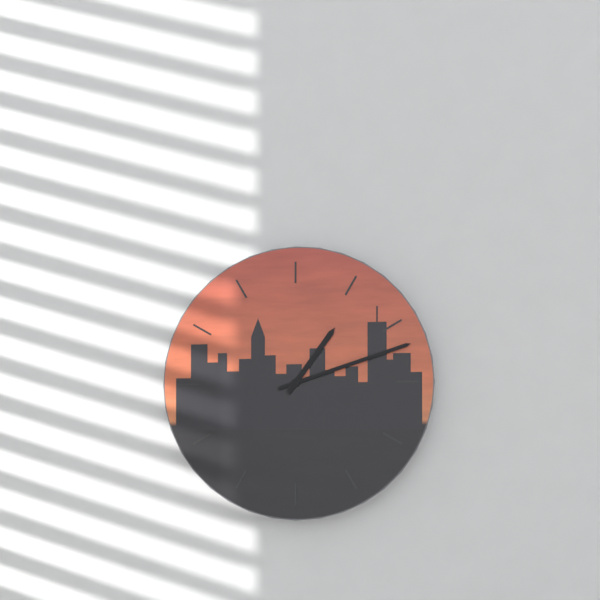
1,12
